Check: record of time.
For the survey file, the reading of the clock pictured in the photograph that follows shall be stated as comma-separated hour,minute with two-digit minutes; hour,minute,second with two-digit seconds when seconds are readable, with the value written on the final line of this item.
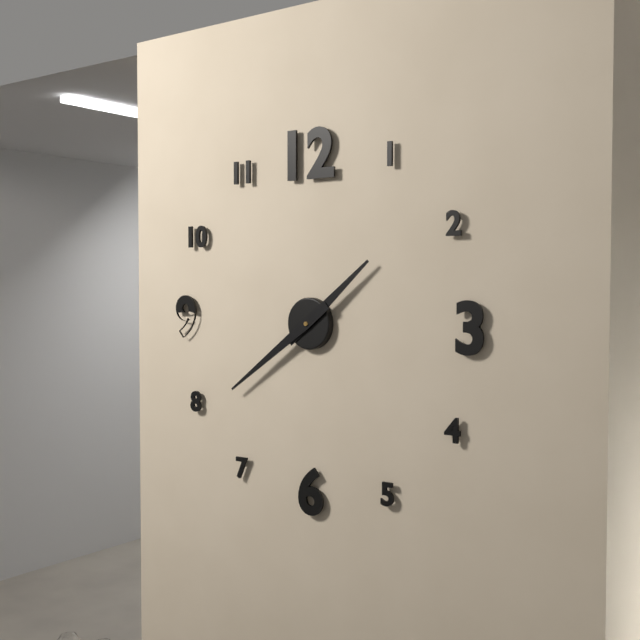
1,39
